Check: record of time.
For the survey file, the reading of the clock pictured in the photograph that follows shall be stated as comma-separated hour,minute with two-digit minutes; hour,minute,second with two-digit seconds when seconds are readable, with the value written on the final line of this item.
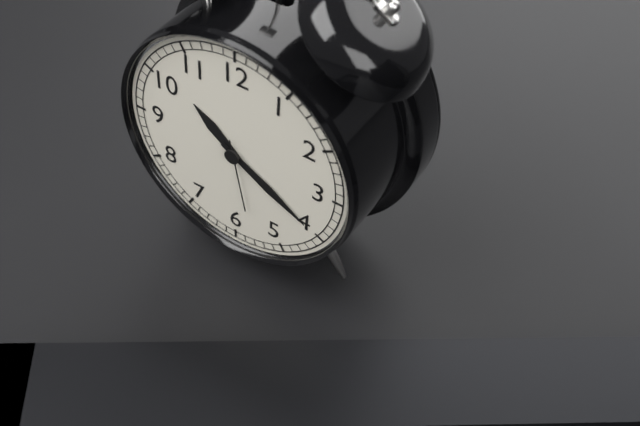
10,20,28
